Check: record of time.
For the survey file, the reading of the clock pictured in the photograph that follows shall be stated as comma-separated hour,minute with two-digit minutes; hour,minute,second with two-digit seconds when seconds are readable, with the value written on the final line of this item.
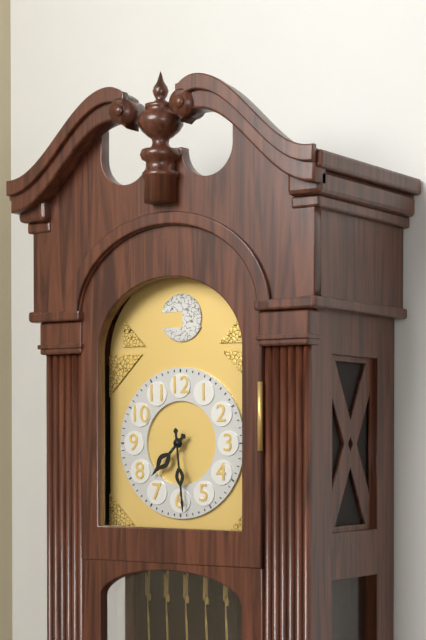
7,29
